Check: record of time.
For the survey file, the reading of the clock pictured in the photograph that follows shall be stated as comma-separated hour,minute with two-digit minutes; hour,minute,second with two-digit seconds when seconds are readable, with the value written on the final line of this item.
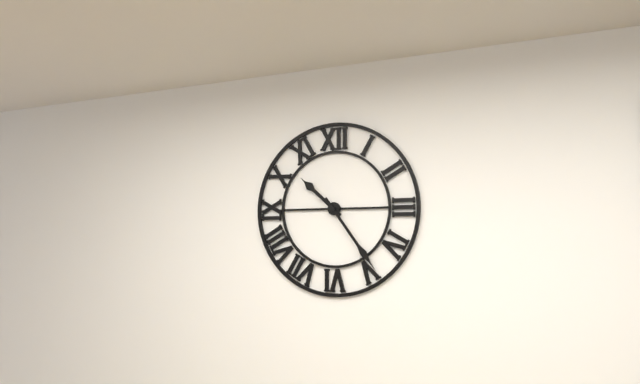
10,24
